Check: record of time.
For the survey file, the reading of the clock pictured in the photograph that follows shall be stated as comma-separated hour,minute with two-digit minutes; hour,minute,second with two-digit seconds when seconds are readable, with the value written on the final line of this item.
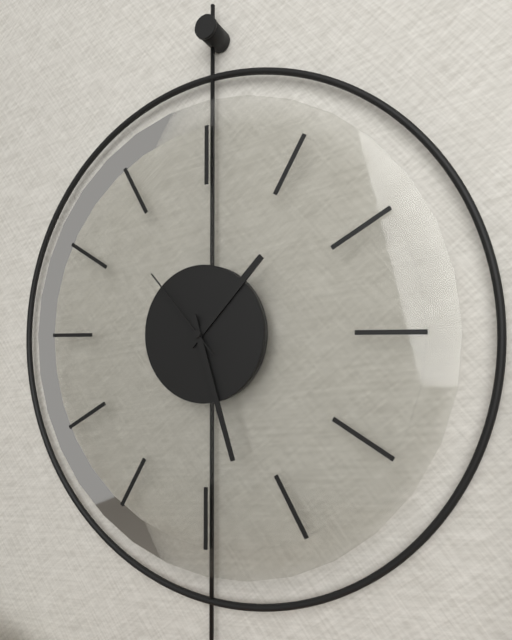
1,27,53
